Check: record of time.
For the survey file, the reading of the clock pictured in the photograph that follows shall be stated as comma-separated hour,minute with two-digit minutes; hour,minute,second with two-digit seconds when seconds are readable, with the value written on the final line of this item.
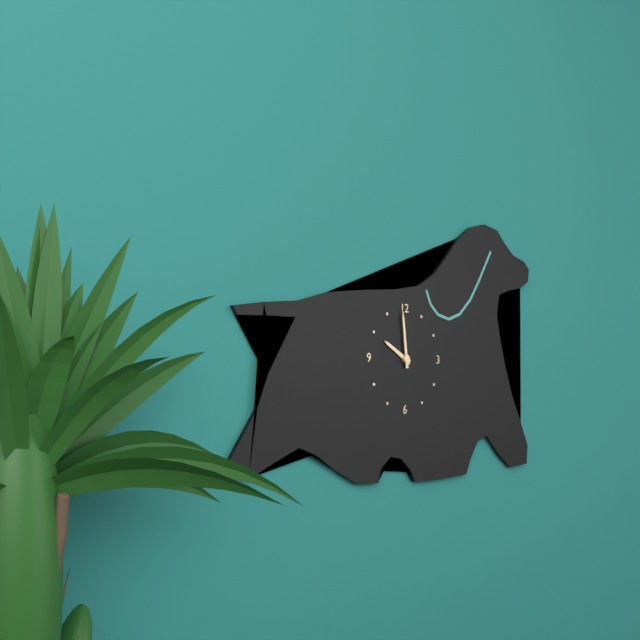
9,59
